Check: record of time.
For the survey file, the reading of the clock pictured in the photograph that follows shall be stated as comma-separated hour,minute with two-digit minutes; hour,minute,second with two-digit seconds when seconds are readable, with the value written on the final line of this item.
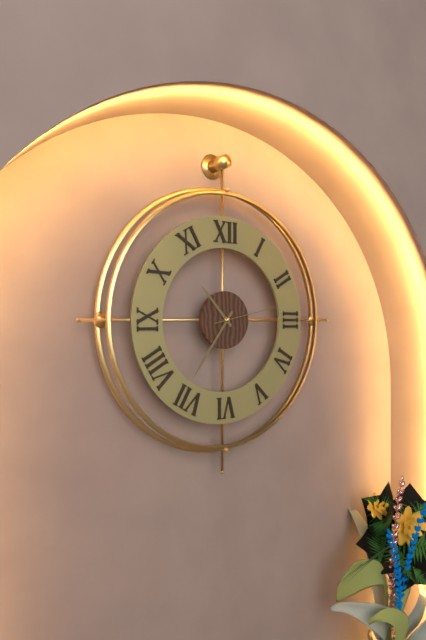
10,36,13
